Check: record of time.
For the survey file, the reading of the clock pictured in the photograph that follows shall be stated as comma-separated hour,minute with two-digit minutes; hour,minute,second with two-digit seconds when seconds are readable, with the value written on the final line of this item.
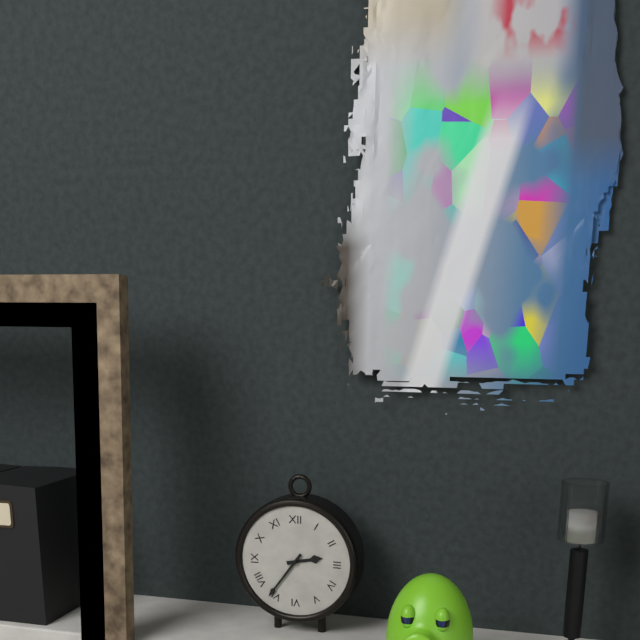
2,36
